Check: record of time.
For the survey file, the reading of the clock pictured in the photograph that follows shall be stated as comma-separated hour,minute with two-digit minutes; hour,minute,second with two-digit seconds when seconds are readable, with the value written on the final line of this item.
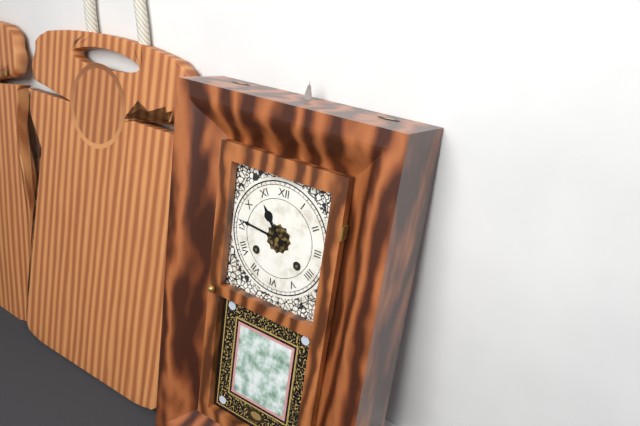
10,46
